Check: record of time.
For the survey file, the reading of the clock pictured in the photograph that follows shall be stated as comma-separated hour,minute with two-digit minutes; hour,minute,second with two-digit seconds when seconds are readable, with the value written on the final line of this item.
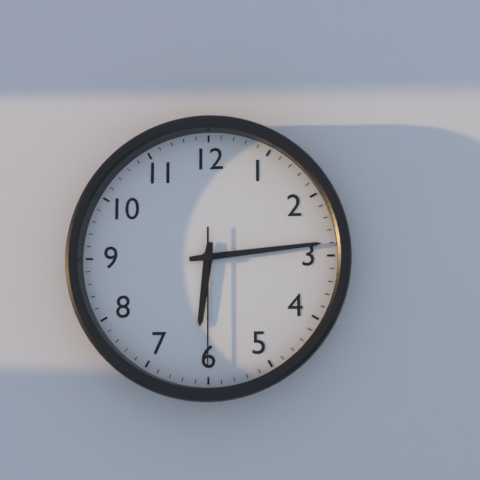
6,14,30
